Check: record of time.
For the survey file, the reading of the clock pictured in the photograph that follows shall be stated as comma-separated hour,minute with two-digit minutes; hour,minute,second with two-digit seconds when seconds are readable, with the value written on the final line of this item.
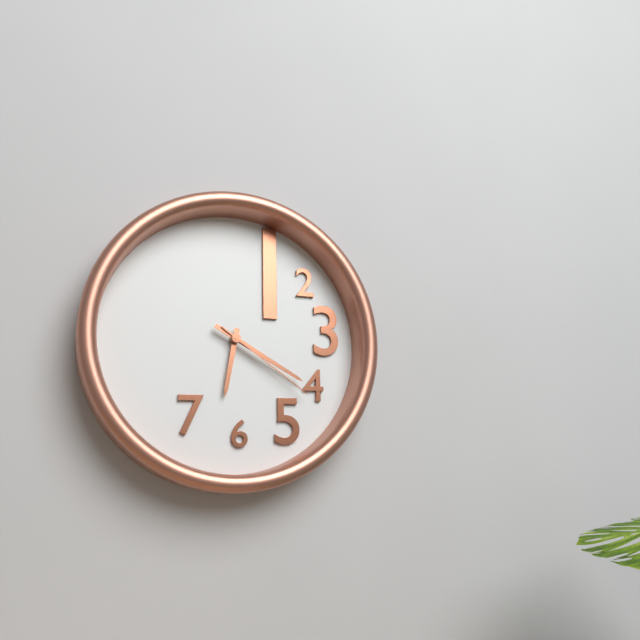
6,20,21
